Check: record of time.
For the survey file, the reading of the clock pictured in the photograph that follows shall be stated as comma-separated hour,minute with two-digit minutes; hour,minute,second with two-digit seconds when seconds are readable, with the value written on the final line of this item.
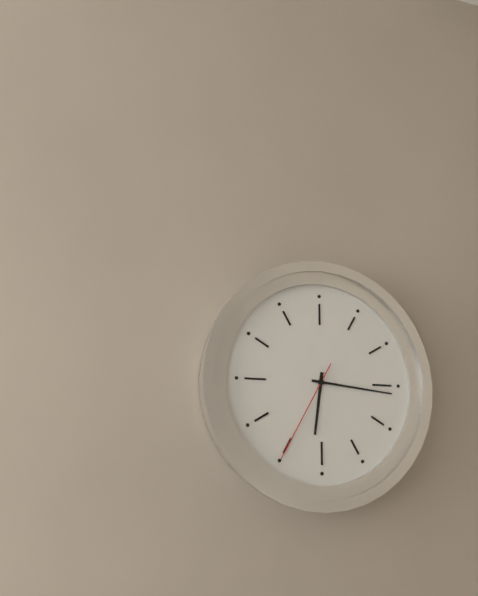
6,16,35
